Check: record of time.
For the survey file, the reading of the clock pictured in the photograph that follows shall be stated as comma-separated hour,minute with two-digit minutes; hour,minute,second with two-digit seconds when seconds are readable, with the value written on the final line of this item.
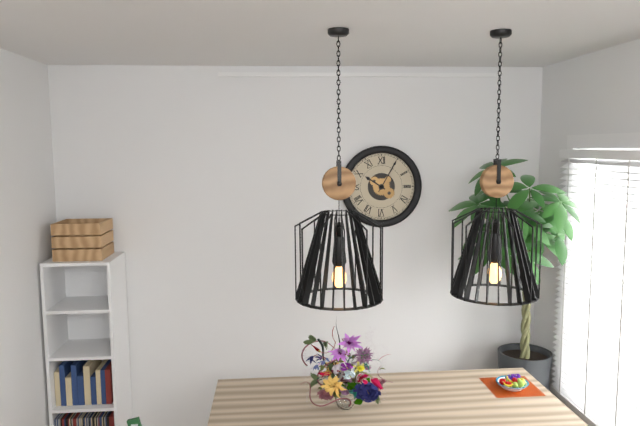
10,05
